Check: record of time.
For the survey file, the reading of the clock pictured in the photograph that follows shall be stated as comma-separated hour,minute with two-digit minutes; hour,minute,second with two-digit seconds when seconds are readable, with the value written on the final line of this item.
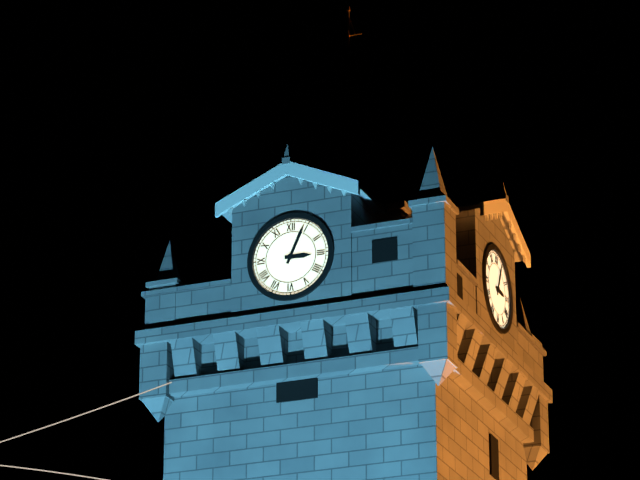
3,04
